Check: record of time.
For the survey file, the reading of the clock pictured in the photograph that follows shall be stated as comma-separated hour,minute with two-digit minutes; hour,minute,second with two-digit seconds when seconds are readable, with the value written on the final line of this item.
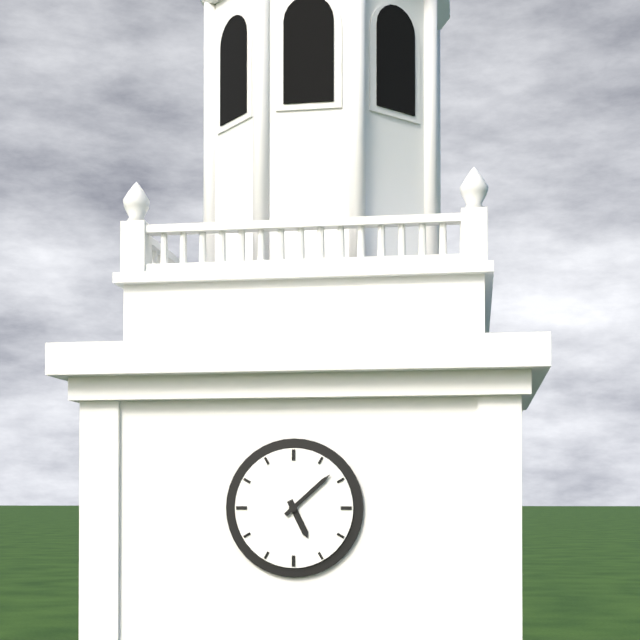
5,08
